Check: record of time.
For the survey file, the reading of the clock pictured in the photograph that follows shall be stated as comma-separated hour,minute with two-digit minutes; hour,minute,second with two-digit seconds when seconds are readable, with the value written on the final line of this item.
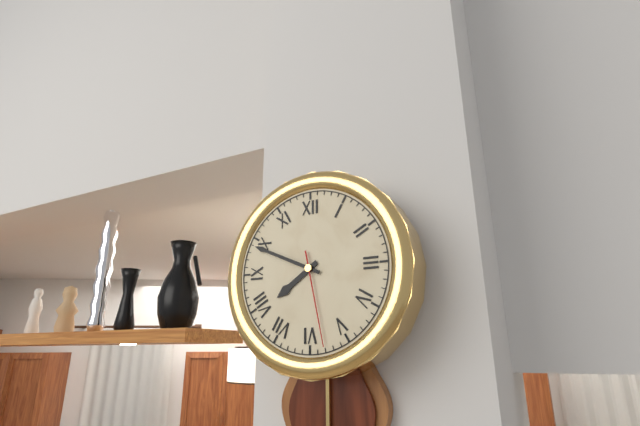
7,49,28
